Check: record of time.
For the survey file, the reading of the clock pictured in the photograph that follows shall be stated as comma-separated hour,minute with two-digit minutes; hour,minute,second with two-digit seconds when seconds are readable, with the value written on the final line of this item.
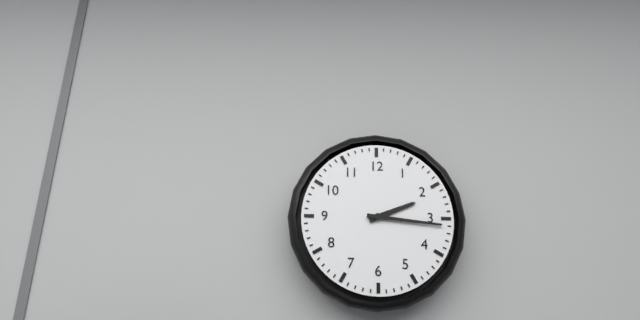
2,16
